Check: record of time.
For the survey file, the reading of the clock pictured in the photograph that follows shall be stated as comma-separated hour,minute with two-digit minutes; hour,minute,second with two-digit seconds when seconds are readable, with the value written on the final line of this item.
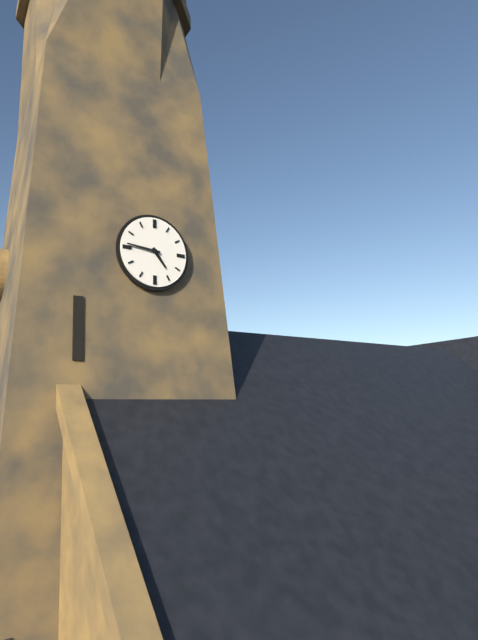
4,46
